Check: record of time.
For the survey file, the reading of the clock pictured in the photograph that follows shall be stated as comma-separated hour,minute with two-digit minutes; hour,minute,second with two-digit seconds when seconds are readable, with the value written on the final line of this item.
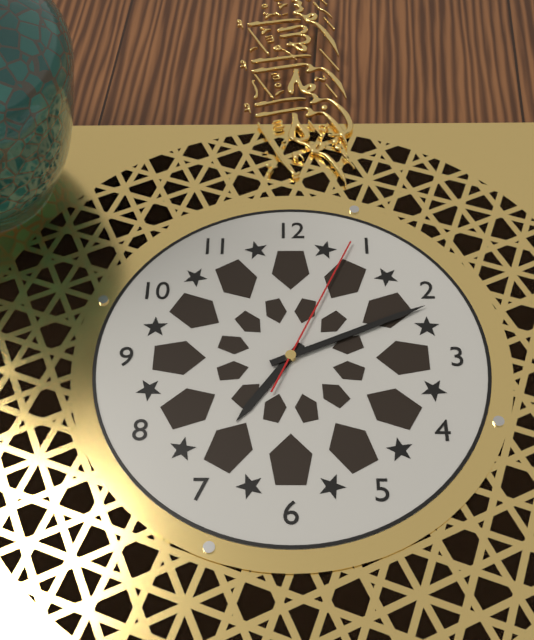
7,11,04
